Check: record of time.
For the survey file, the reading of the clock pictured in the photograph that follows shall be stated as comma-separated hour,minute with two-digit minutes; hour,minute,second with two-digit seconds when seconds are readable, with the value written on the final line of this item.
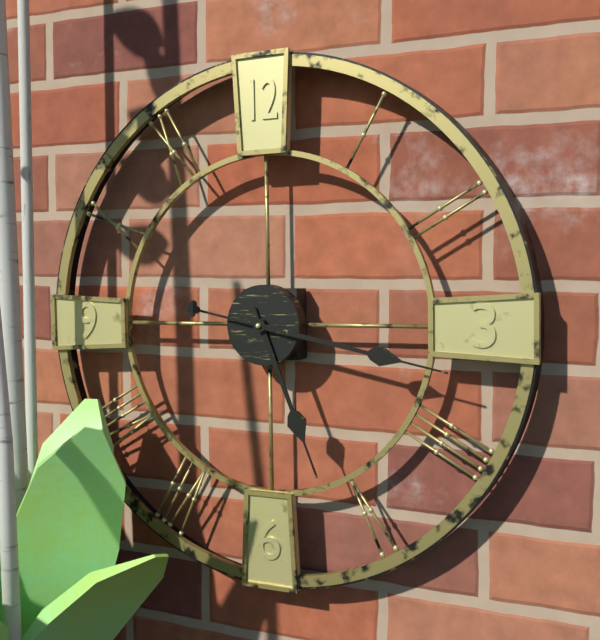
5,17
